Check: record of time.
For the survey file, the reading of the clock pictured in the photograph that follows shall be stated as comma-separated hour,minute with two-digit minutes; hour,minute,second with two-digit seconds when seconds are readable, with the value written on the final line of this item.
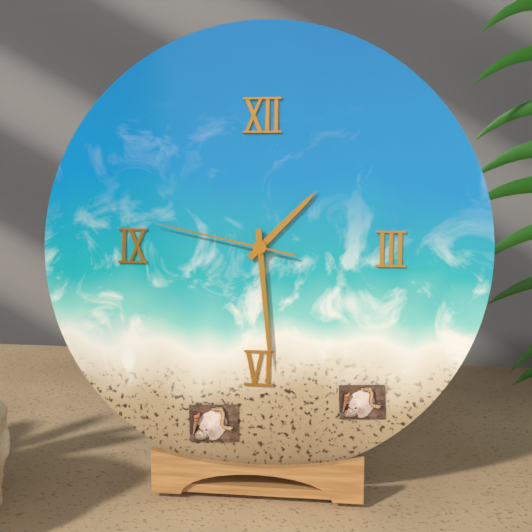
1,29,47
